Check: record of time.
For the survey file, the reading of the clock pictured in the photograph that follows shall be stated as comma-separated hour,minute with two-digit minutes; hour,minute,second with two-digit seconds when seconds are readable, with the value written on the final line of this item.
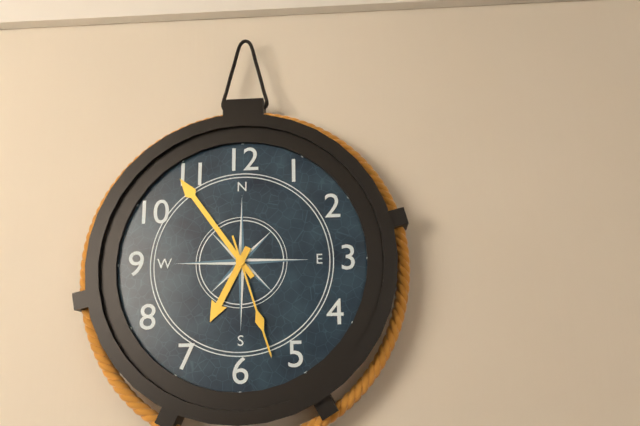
6,54,27
